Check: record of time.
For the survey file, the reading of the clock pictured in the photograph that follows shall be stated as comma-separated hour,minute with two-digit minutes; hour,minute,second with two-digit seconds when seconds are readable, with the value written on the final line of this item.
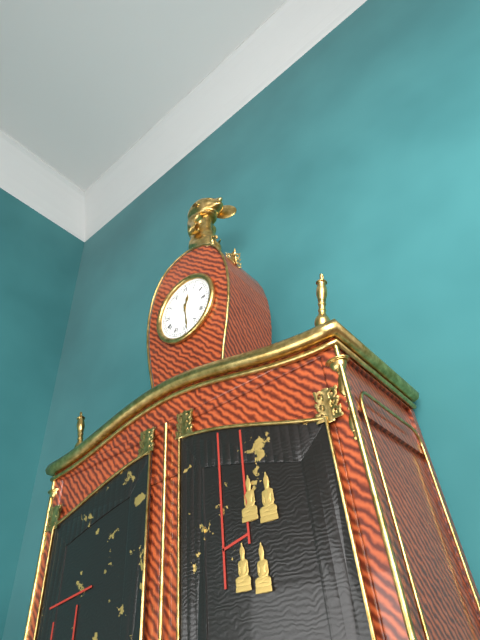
12,29
